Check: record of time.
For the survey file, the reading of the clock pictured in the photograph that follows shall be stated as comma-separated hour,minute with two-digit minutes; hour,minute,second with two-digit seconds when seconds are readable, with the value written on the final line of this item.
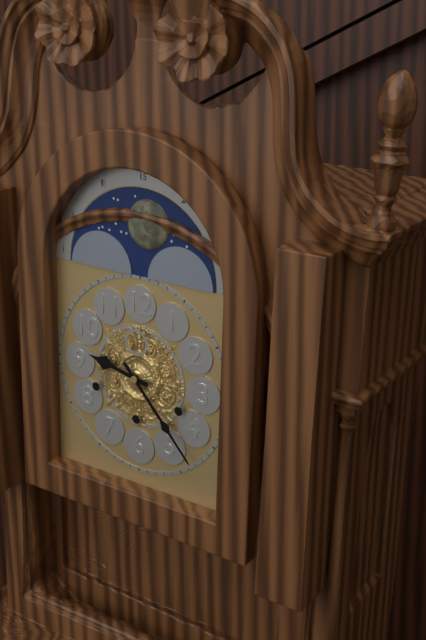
9,23
